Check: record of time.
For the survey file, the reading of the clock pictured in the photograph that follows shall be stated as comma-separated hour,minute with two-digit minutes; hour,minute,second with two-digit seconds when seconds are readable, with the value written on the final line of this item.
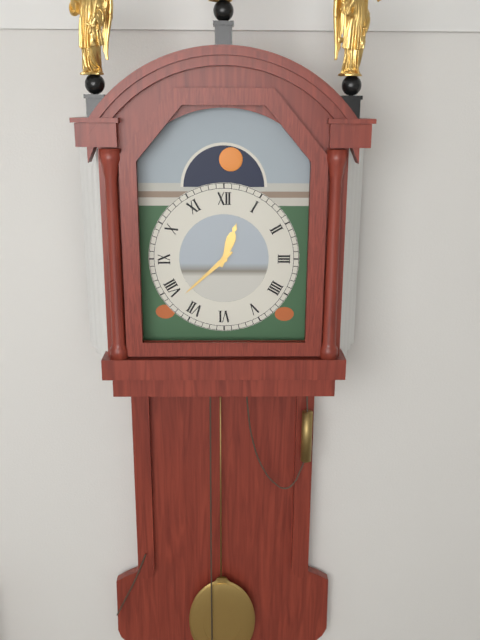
12,38
